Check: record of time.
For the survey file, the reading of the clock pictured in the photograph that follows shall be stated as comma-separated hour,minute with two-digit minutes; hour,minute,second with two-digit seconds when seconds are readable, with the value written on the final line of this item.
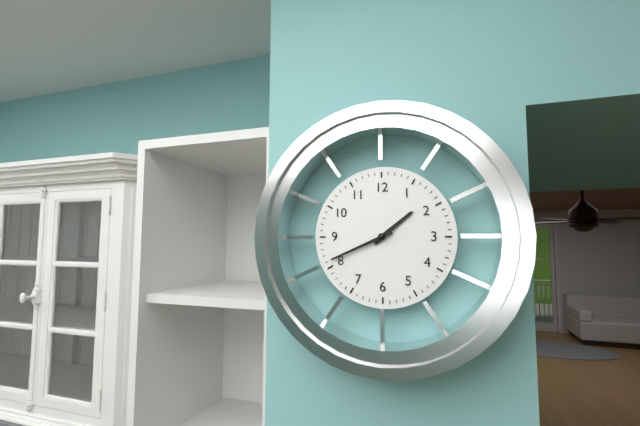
1,41
